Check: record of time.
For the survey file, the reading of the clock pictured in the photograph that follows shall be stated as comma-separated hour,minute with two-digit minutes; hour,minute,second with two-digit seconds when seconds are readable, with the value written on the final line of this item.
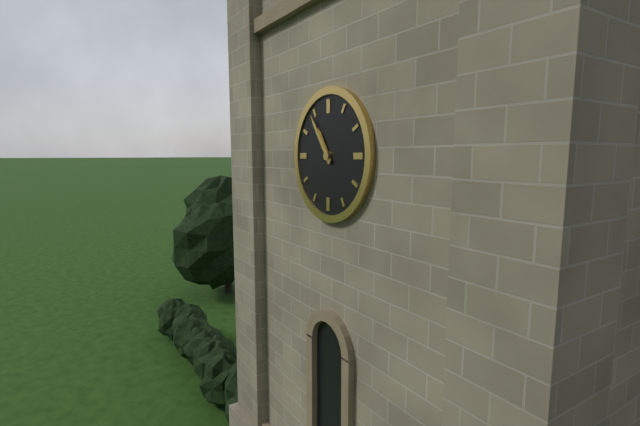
10,54
